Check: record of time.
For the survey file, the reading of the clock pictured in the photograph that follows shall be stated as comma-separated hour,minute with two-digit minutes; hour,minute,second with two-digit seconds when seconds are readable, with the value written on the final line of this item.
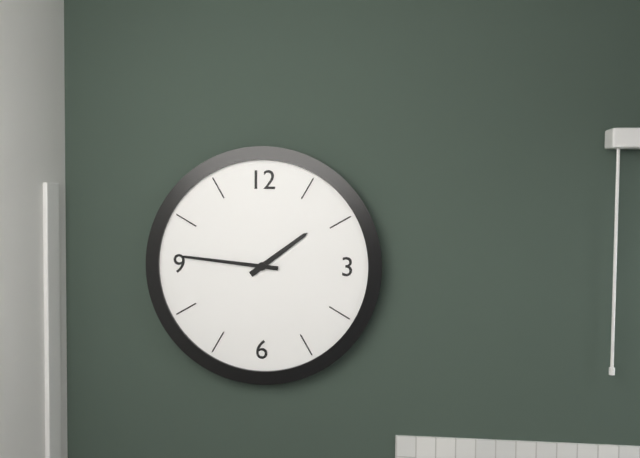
1,46
